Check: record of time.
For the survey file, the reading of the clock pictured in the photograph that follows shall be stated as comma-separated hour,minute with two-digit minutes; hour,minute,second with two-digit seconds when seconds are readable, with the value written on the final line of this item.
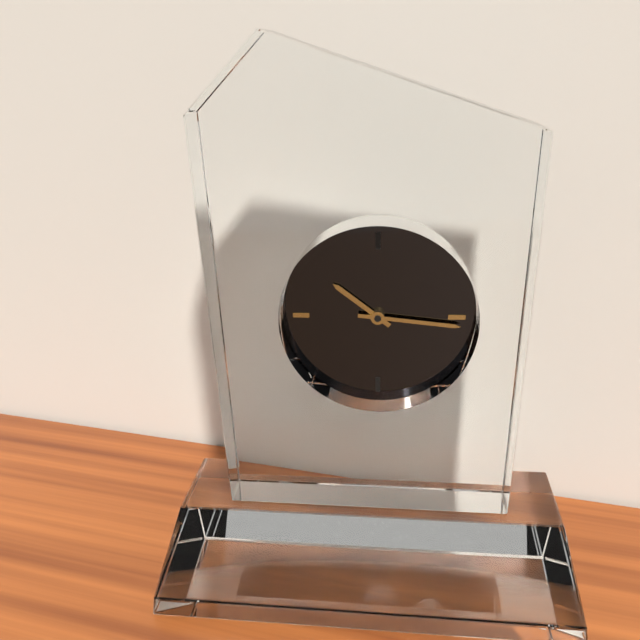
10,16
